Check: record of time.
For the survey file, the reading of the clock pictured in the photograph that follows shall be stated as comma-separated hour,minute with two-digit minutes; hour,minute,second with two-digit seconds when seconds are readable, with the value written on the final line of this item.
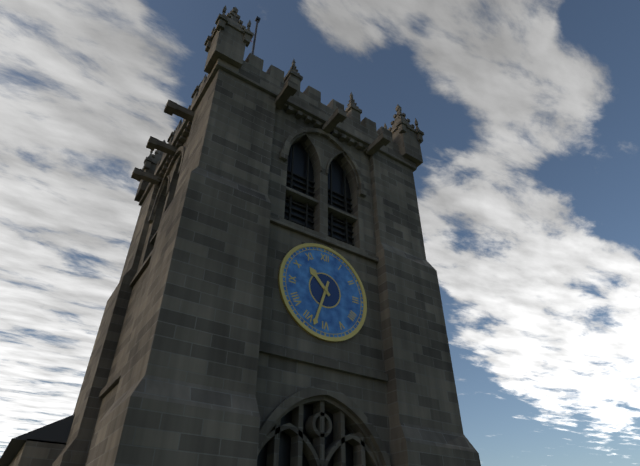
10,33
